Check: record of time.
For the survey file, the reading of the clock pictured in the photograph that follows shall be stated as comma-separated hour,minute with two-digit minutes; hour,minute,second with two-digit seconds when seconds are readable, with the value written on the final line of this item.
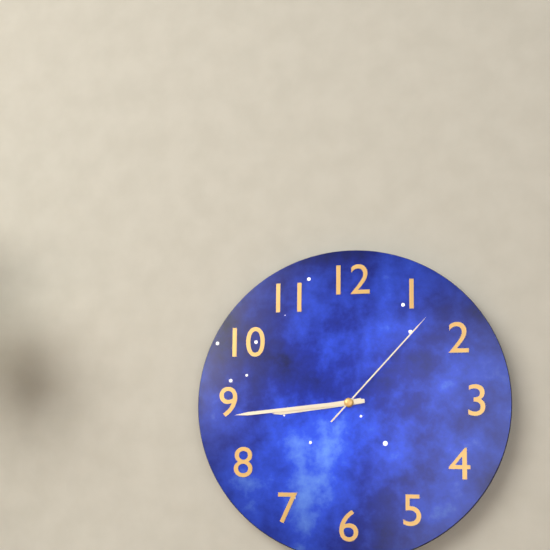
8,44,07
